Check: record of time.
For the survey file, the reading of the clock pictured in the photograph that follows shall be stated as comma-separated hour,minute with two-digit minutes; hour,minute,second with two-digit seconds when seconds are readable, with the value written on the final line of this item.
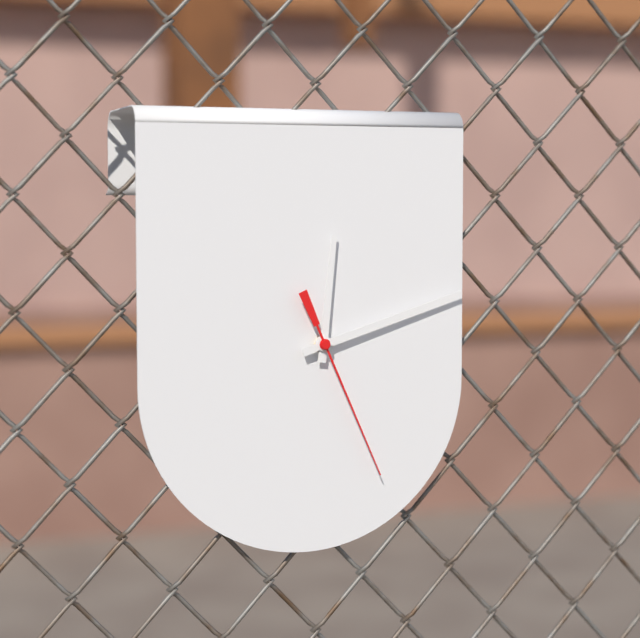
12,12,26
